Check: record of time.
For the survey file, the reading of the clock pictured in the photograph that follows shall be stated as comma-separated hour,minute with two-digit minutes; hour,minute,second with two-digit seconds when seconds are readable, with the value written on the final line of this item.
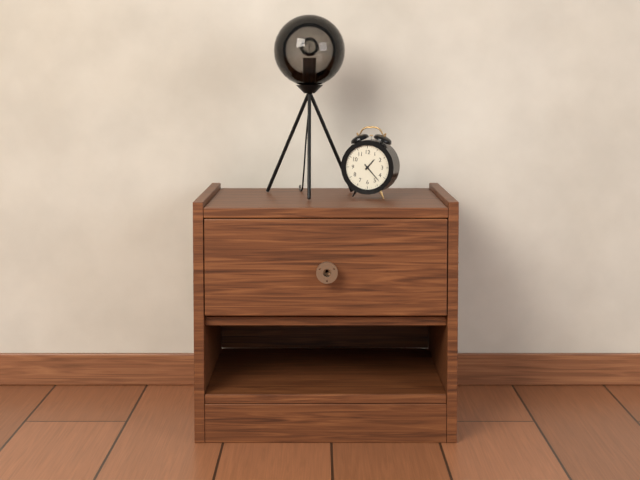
1,23
